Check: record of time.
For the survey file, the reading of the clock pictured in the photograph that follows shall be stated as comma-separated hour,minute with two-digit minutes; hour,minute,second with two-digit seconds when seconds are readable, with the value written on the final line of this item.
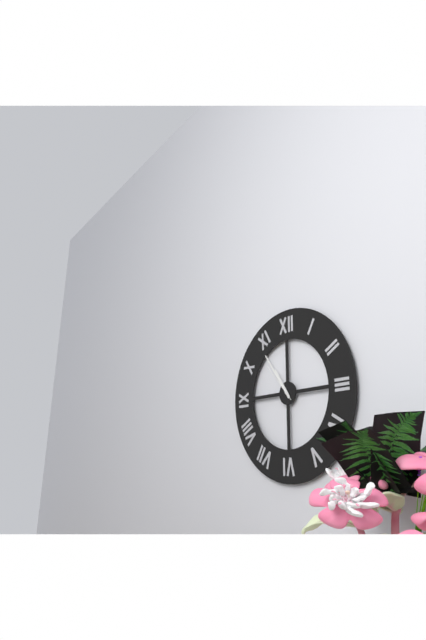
10,54
